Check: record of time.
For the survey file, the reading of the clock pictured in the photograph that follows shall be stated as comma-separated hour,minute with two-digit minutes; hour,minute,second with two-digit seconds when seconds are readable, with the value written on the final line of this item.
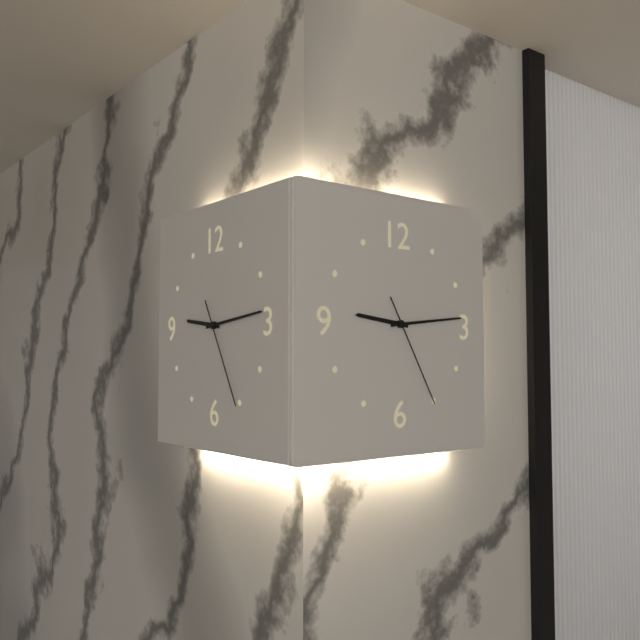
9,14,25
